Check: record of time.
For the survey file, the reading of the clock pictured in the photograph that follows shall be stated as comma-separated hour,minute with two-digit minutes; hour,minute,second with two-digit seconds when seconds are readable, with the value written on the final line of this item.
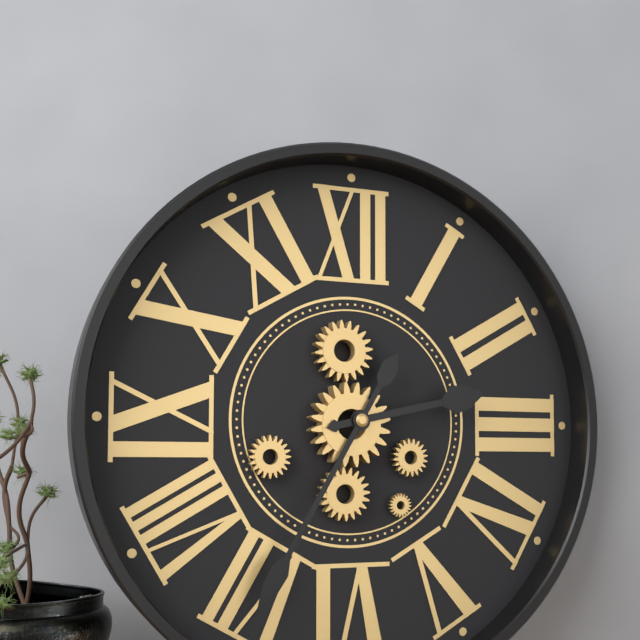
2,35
